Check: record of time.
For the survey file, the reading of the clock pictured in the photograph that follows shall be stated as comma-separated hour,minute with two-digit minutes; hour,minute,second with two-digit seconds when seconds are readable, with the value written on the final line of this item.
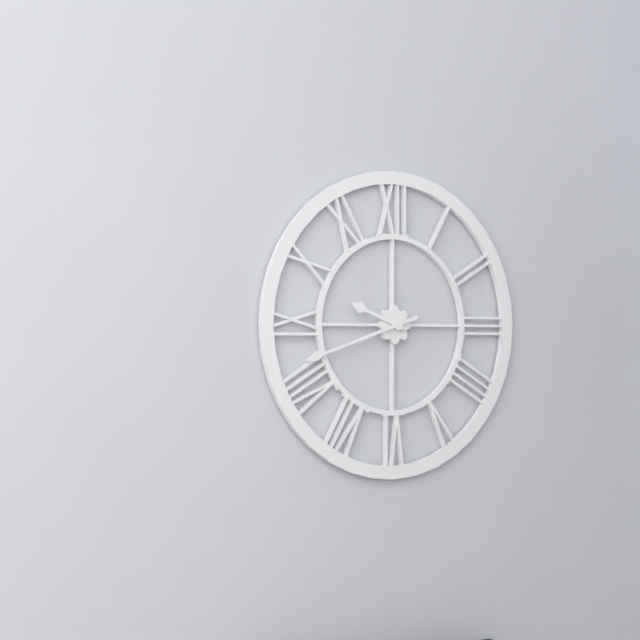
9,42
